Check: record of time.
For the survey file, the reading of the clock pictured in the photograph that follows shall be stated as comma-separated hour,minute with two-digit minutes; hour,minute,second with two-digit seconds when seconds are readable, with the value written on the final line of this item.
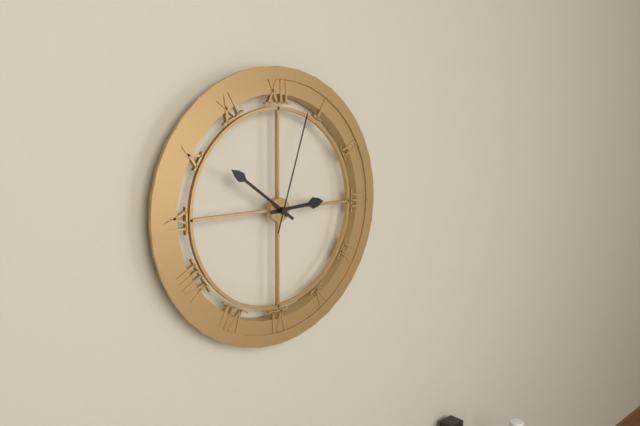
2,51,03
